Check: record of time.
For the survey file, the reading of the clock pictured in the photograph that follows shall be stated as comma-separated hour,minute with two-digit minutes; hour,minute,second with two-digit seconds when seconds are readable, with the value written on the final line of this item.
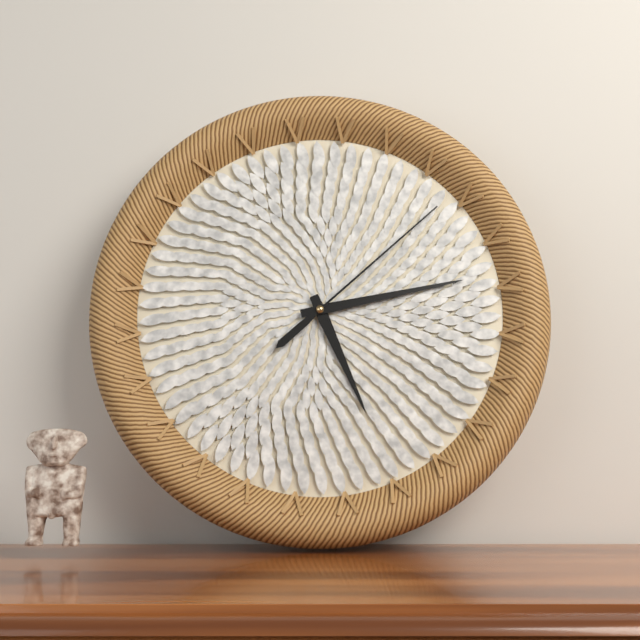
5,13,08
